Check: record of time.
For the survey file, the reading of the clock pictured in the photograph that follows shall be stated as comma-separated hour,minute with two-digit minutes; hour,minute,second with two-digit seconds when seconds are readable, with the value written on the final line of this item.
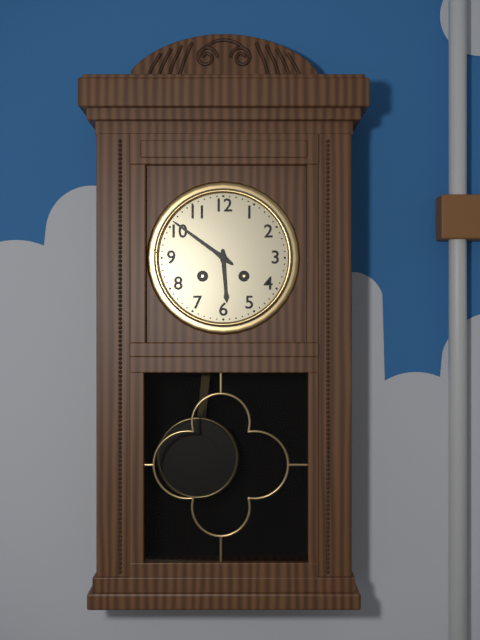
5,51
